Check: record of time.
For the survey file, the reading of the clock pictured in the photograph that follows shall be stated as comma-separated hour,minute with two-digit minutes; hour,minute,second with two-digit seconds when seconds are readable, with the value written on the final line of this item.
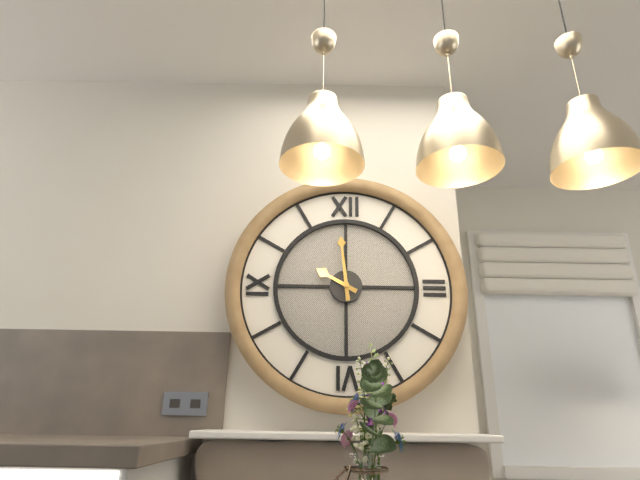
9,59
